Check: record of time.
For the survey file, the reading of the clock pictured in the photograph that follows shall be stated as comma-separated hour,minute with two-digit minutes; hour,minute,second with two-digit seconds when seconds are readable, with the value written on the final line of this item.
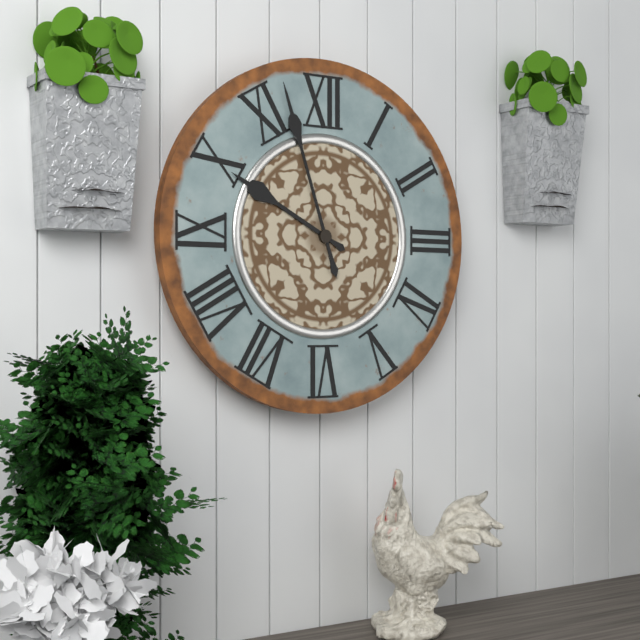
9,57
